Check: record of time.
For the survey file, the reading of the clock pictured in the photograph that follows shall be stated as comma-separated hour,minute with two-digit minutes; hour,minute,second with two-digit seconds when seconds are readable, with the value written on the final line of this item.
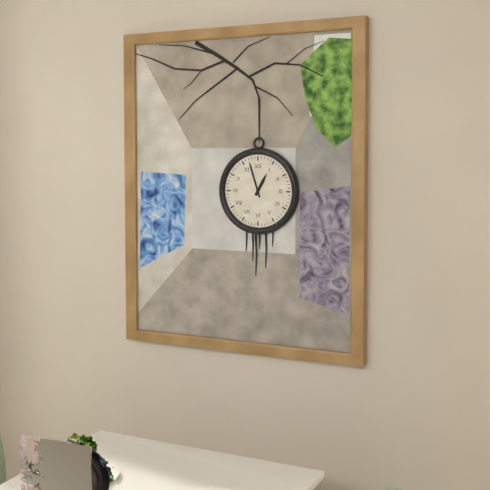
12,57
